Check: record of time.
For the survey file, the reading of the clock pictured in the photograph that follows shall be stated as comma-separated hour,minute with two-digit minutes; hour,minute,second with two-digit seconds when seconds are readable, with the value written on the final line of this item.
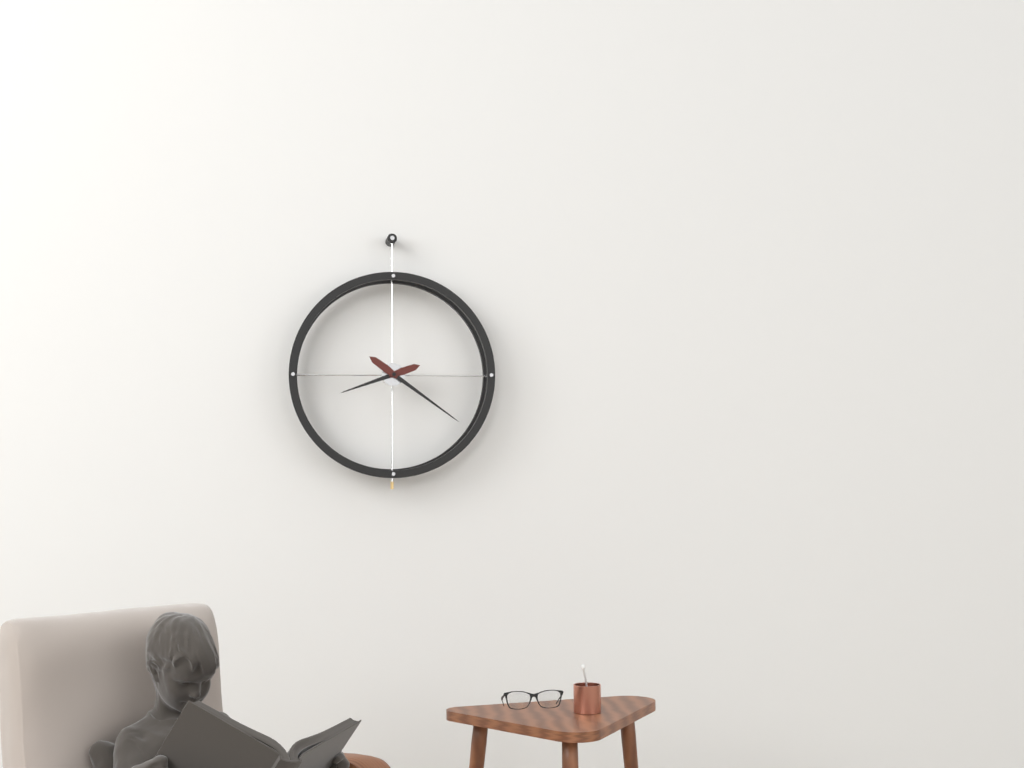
8,21
